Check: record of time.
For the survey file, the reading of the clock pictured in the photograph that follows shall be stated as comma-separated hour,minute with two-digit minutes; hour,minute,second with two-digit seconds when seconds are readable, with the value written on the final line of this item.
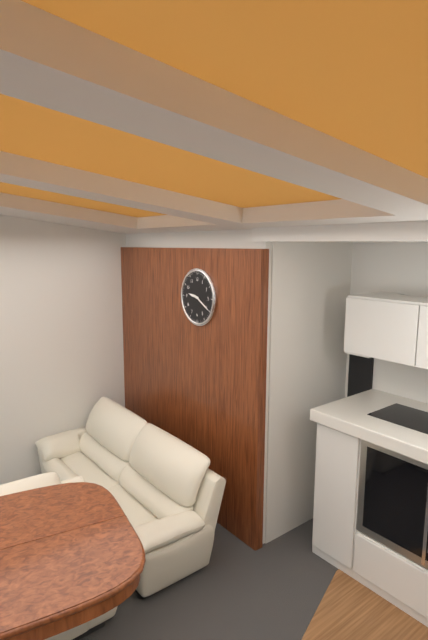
9,20
